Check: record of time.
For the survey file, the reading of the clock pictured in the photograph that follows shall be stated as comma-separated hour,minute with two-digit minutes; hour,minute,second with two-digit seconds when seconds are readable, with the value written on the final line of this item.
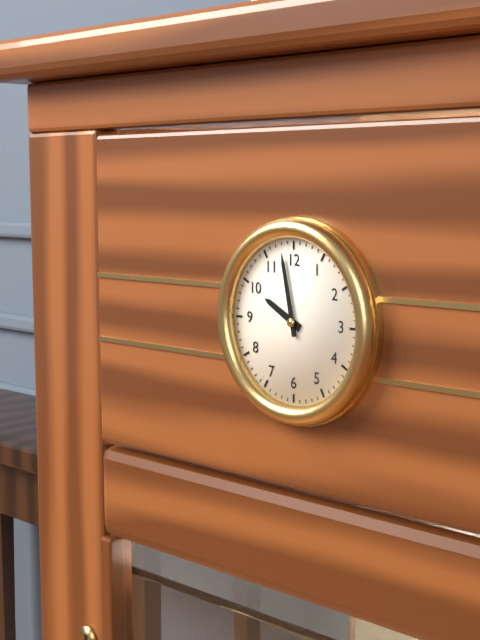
9,58
